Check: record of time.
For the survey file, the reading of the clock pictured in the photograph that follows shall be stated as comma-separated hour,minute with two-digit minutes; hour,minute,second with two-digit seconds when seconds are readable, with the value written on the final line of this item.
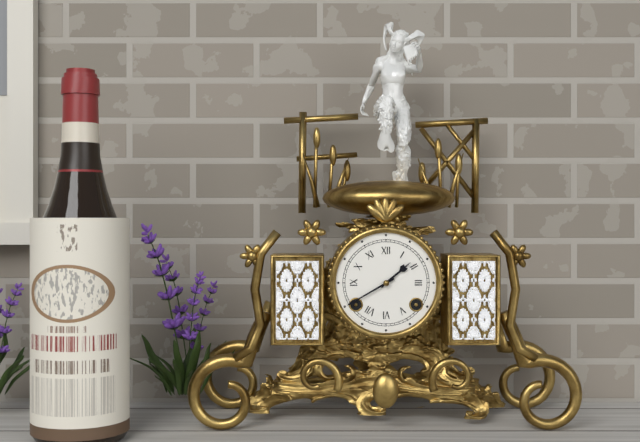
1,40
